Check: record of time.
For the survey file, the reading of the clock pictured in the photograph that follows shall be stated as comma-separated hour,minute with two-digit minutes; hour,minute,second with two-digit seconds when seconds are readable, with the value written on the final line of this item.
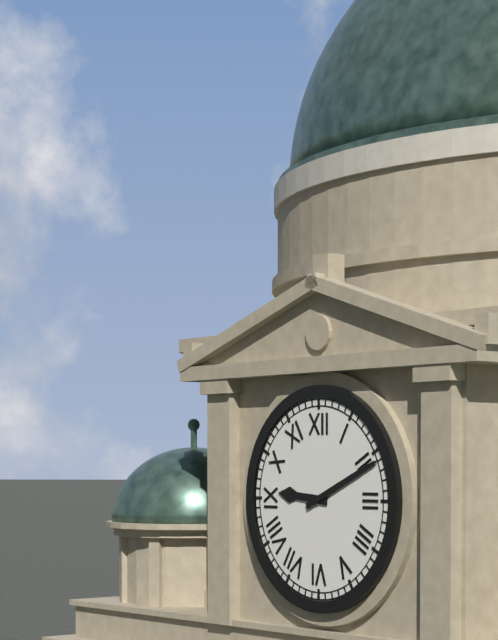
9,11
